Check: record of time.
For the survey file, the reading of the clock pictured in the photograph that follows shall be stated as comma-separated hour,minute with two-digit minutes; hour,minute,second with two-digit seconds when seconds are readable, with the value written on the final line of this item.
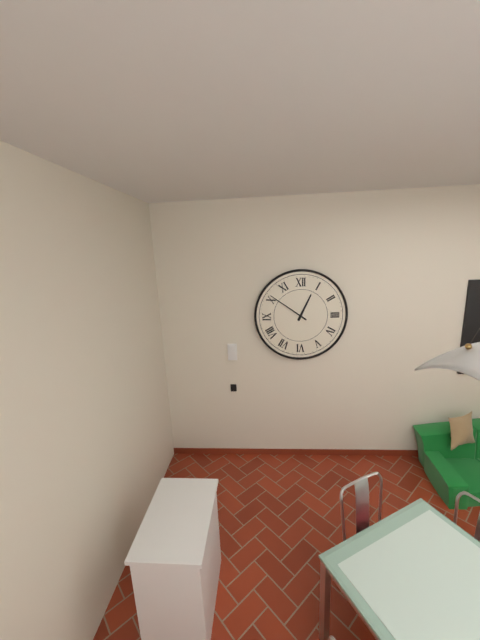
12,51
